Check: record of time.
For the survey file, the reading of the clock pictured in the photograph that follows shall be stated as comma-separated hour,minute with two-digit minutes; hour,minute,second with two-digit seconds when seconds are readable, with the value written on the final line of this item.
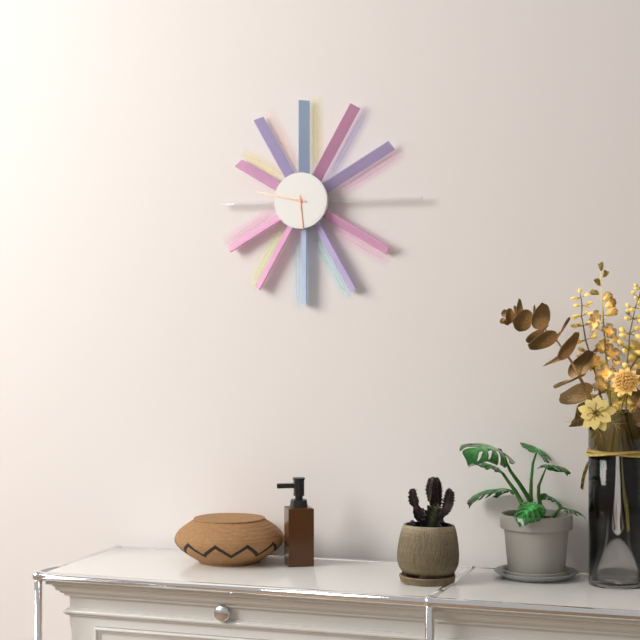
5,47
